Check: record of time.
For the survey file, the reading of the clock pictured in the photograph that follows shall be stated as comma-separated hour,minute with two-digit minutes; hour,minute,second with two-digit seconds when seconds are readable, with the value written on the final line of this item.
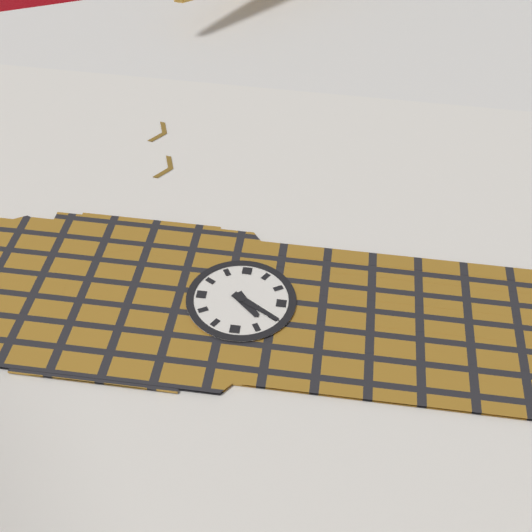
7,35
